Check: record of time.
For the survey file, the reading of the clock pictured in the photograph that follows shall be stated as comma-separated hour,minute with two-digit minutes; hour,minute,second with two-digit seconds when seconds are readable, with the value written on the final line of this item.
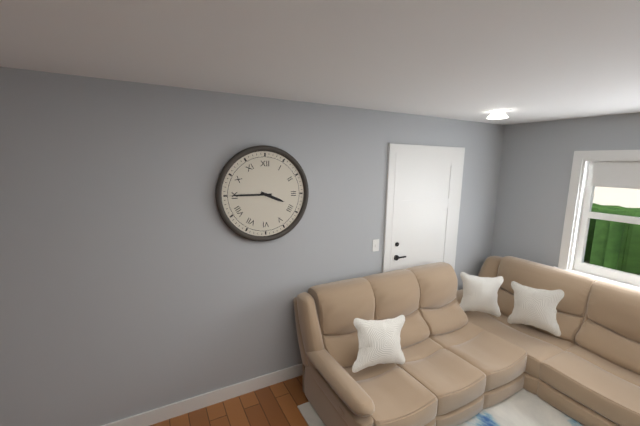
3,45
